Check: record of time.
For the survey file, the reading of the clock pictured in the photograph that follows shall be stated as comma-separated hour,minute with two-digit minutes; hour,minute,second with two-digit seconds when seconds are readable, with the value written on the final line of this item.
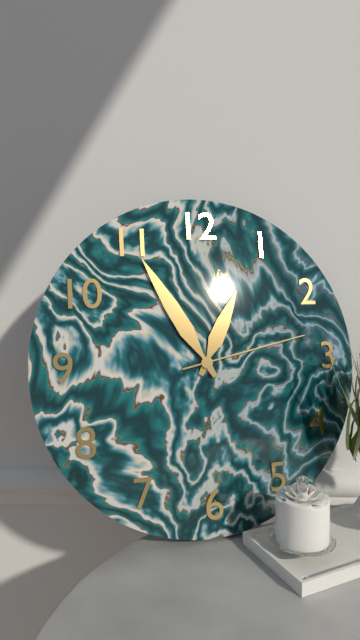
12,55,13
